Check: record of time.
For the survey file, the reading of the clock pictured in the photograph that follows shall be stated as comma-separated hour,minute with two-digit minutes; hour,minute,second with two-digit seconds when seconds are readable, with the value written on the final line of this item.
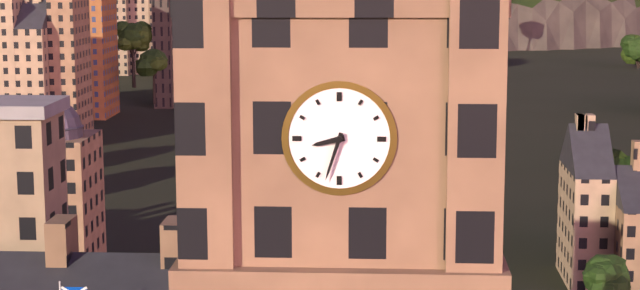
8,33
